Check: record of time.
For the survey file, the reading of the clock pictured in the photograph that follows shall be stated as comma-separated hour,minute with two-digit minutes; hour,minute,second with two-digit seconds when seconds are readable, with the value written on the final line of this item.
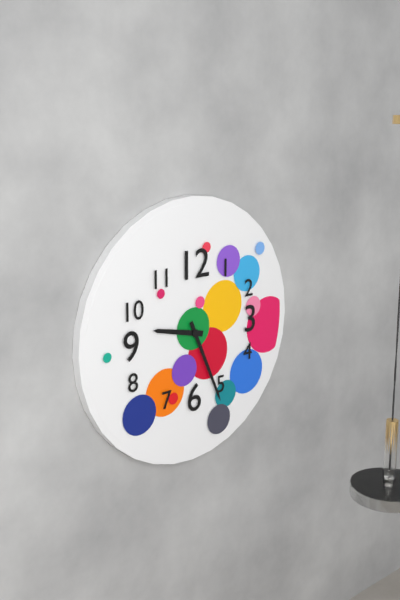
9,26
